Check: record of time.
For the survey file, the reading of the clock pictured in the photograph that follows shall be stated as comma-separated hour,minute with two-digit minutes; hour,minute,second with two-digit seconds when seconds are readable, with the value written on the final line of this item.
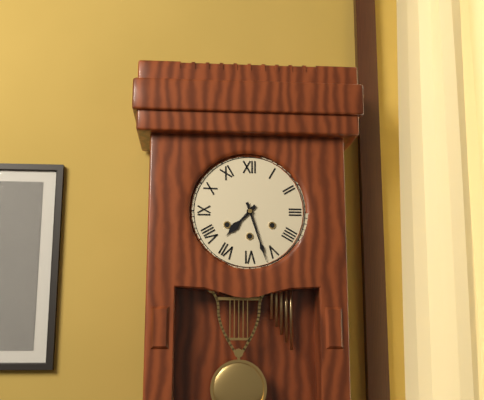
7,27
